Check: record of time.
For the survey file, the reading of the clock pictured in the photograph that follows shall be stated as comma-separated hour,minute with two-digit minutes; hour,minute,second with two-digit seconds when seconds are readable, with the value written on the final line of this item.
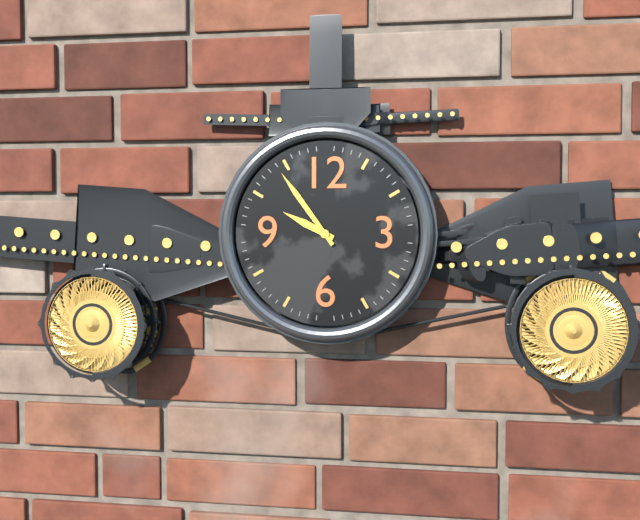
9,54
